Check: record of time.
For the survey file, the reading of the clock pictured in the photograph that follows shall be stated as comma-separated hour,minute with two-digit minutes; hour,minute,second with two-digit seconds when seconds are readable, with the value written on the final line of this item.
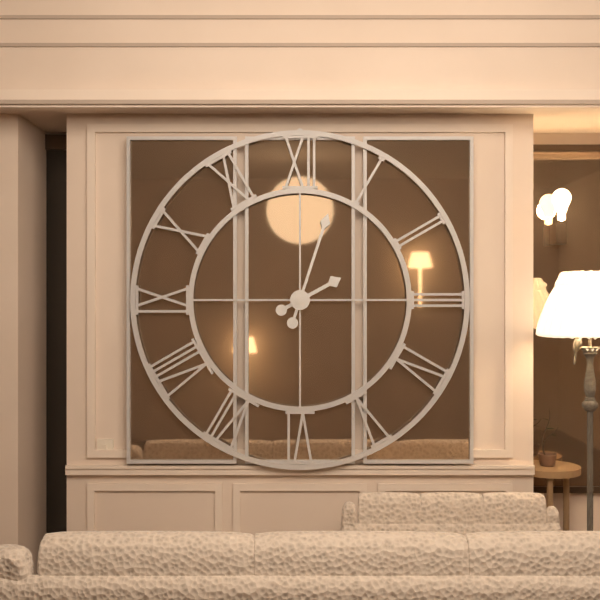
2,03
